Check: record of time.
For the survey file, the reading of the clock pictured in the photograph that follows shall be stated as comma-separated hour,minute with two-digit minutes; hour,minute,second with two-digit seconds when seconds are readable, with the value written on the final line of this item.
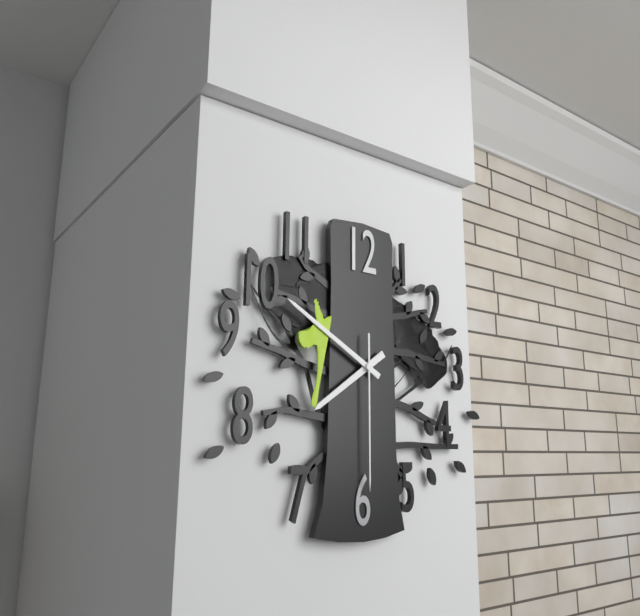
7,50,30
